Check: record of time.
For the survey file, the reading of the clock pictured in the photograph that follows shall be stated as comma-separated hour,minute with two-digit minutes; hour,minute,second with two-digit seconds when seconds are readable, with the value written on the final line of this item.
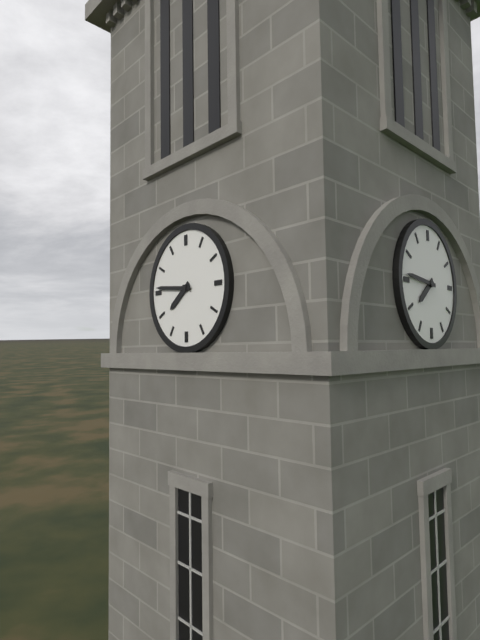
7,46
